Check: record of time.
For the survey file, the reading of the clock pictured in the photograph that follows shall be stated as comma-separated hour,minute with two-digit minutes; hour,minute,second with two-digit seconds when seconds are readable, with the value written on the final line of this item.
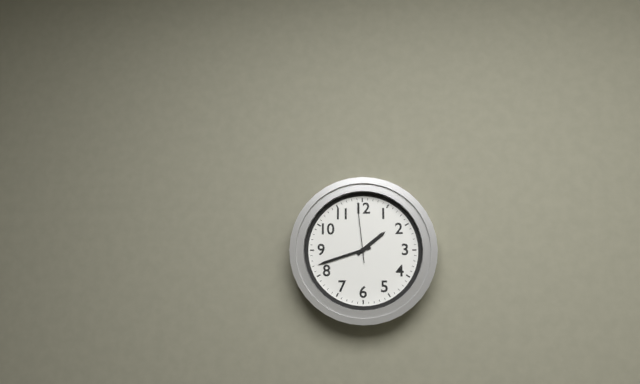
1,42,59
